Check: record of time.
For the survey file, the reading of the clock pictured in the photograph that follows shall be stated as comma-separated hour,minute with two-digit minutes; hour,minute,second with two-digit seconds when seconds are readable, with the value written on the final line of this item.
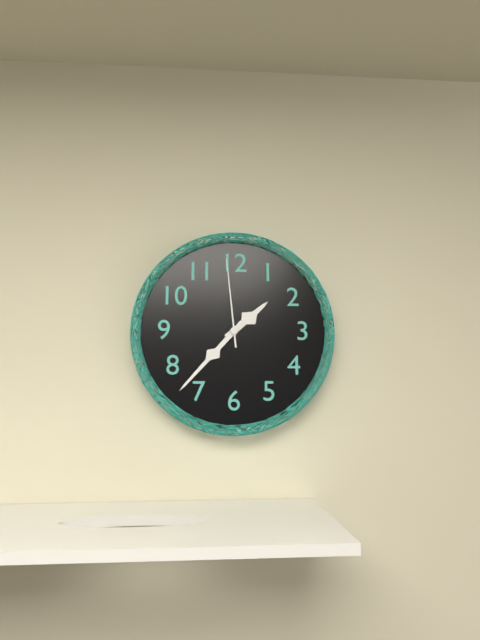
1,37,59
